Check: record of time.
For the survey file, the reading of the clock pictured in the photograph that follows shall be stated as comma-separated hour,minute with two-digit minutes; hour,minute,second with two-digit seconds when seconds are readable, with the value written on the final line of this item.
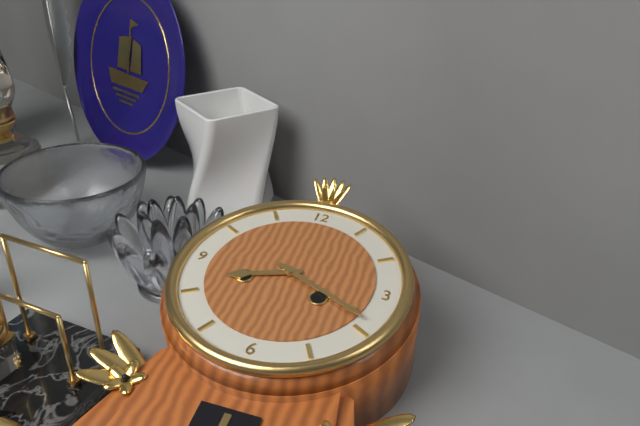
8,19
